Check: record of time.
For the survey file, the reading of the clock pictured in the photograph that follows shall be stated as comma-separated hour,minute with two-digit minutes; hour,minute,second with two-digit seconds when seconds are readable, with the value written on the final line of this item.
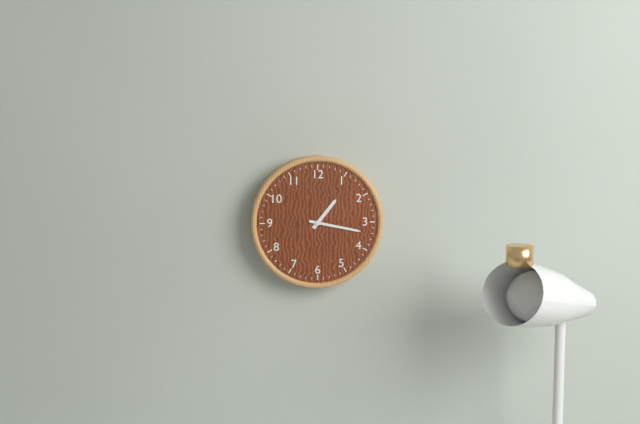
1,17
